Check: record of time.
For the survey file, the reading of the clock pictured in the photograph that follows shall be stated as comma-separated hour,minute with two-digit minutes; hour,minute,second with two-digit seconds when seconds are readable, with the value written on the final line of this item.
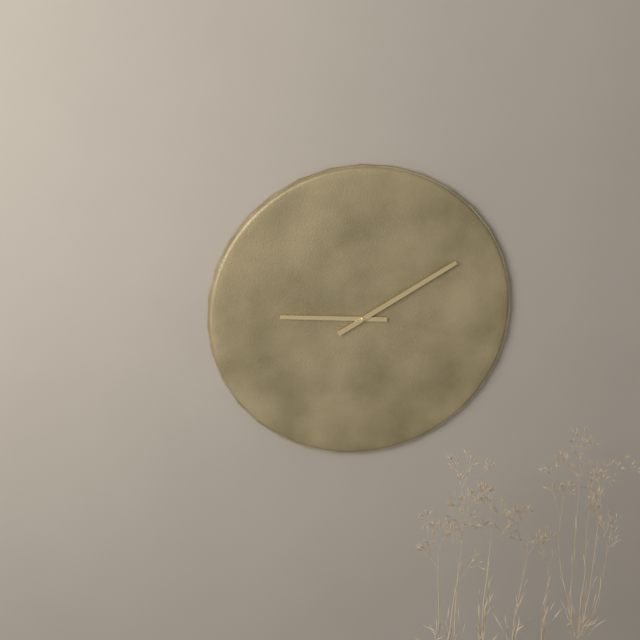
9,10
